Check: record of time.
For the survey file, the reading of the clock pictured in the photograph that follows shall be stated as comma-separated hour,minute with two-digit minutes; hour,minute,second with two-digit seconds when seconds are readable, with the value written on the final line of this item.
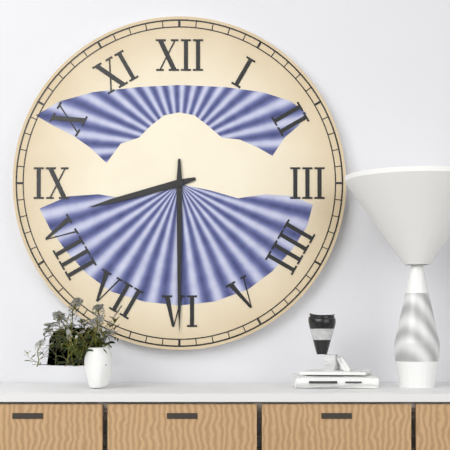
8,30
